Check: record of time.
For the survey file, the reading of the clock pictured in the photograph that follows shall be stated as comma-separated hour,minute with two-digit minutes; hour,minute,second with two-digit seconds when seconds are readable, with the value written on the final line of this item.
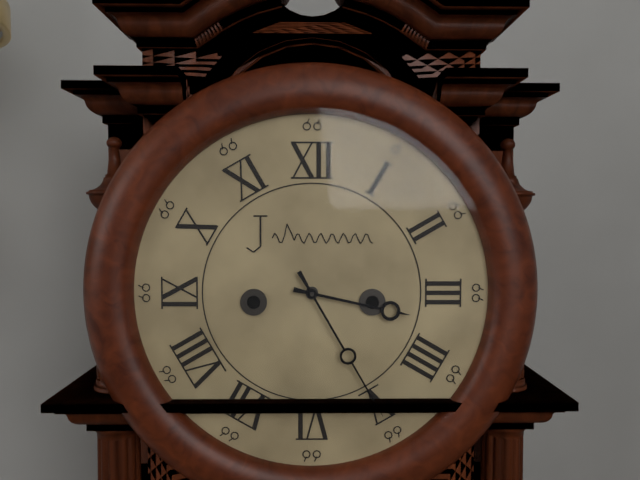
3,25
